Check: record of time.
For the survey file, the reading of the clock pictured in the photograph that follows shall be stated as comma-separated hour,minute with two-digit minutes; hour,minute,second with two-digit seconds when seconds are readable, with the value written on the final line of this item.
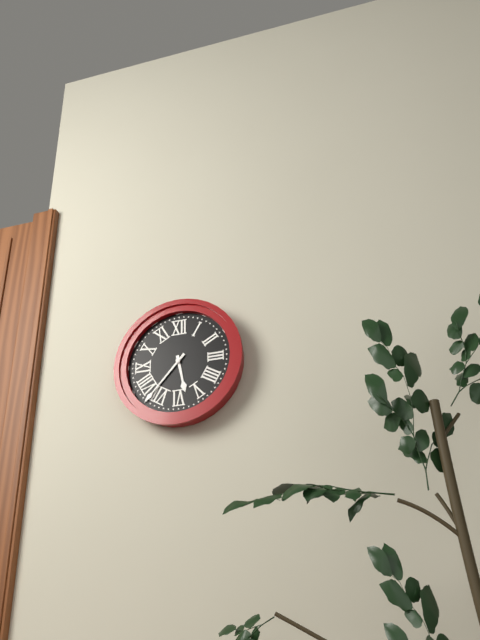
5,37
